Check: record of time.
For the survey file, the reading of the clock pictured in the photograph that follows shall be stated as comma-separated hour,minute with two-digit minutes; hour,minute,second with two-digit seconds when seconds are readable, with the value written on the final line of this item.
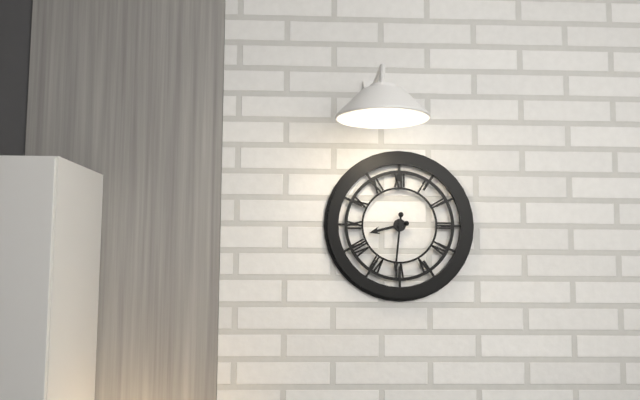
8,31
